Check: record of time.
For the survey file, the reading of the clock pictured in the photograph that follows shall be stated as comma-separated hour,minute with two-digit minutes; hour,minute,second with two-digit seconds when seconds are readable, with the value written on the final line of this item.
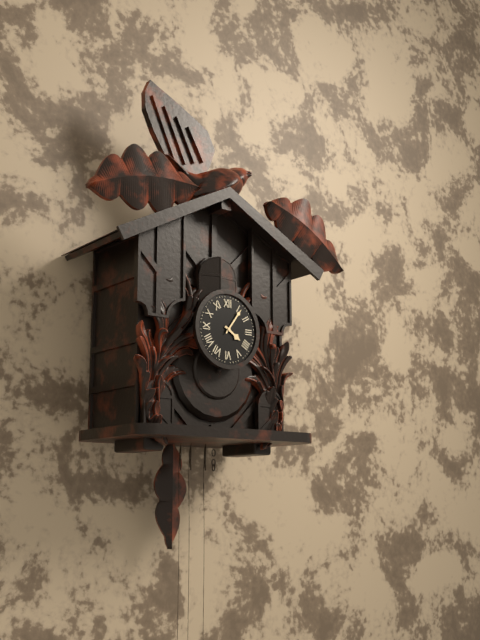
4,06
